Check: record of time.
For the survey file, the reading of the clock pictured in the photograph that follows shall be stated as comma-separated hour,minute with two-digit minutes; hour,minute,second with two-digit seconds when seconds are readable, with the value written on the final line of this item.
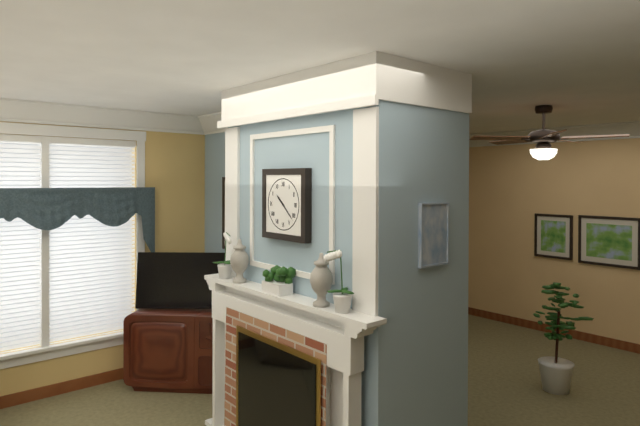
10,22
